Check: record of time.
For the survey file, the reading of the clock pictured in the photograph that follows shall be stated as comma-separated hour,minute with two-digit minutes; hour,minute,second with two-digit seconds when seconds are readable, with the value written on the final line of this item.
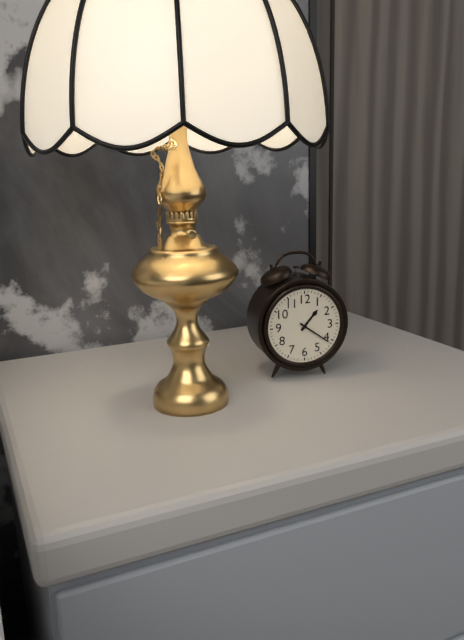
1,21
